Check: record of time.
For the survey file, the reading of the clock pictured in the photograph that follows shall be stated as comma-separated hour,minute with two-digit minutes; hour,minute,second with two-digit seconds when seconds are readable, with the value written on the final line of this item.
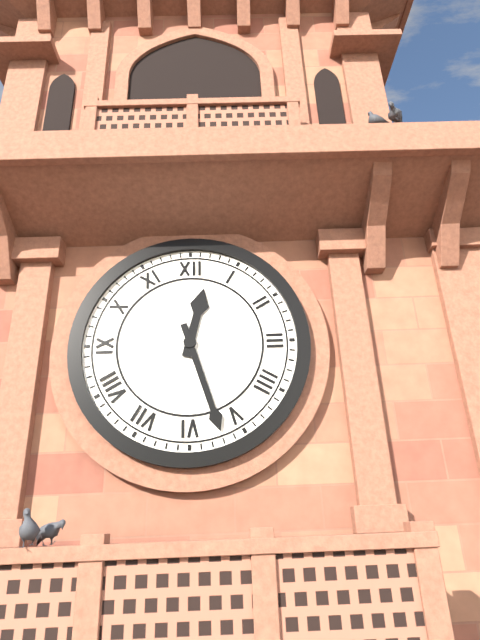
12,27
